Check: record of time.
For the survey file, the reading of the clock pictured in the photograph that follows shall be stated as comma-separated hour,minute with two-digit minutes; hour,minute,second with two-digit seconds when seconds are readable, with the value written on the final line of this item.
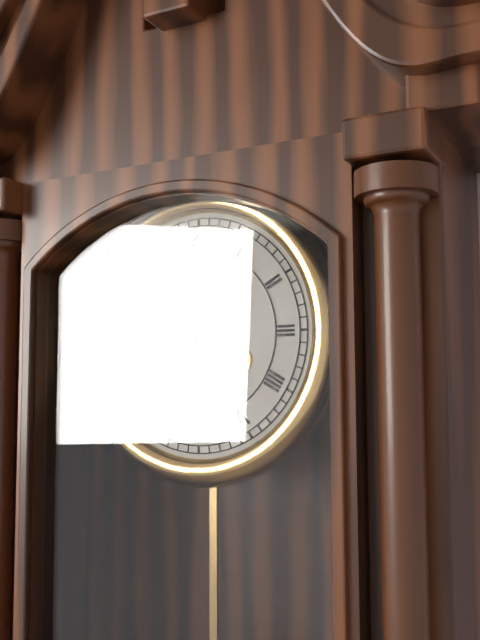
1,49
